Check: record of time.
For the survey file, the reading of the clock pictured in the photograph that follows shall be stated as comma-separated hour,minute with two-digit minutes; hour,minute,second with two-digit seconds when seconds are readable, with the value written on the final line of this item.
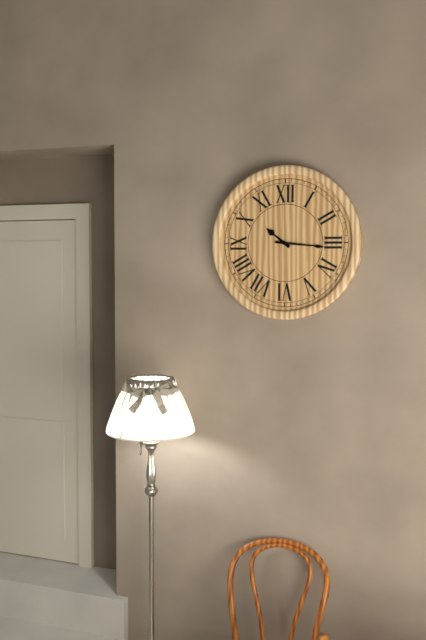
10,16
